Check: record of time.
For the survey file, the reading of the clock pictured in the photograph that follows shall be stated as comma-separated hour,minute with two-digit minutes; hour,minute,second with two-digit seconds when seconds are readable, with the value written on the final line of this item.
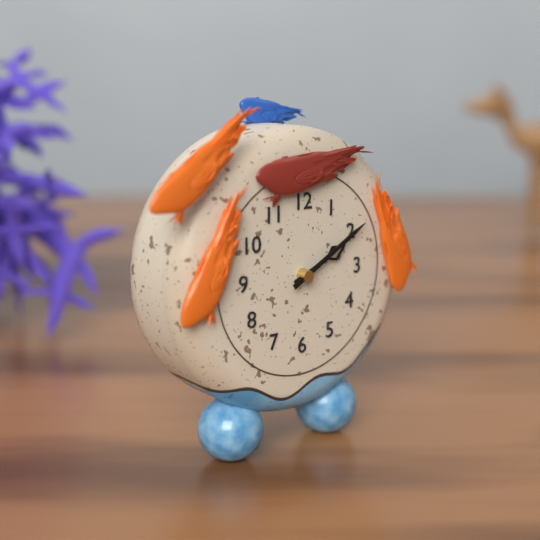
2,10
